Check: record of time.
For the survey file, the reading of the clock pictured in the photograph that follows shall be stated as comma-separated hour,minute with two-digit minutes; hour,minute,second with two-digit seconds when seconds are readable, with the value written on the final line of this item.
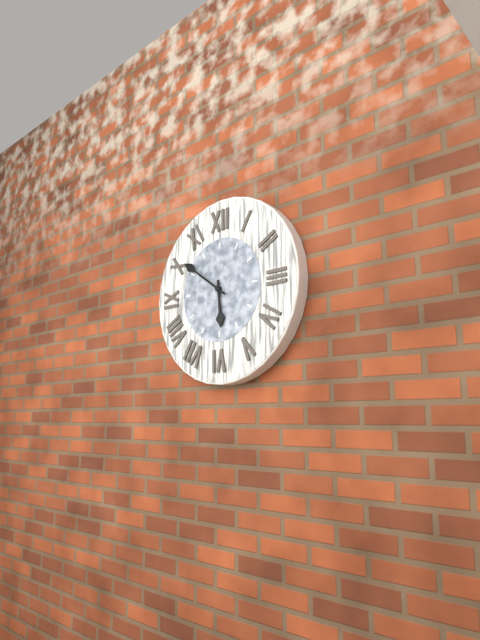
5,51
